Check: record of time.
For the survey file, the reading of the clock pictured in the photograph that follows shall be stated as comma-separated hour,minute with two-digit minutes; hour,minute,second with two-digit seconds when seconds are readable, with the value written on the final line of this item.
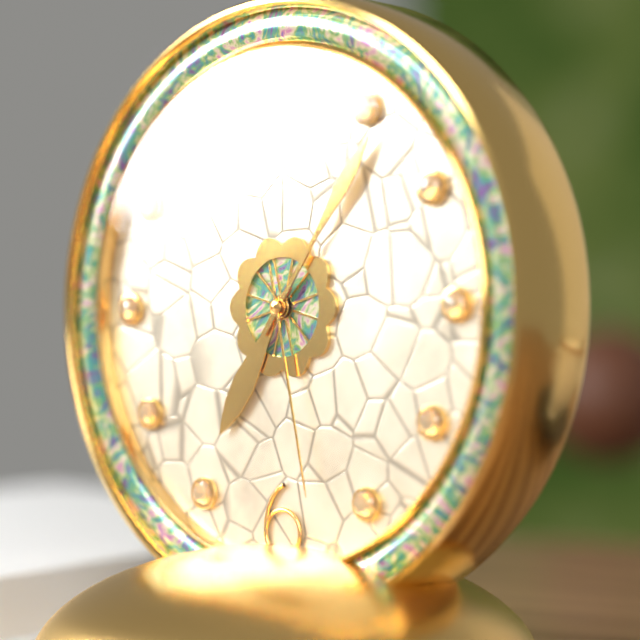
7,06,28
